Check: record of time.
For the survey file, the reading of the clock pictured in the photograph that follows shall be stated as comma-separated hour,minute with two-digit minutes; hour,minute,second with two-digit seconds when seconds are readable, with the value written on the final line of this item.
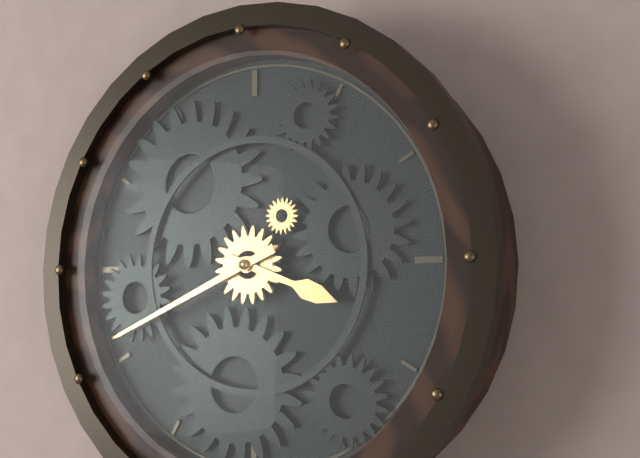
3,41
